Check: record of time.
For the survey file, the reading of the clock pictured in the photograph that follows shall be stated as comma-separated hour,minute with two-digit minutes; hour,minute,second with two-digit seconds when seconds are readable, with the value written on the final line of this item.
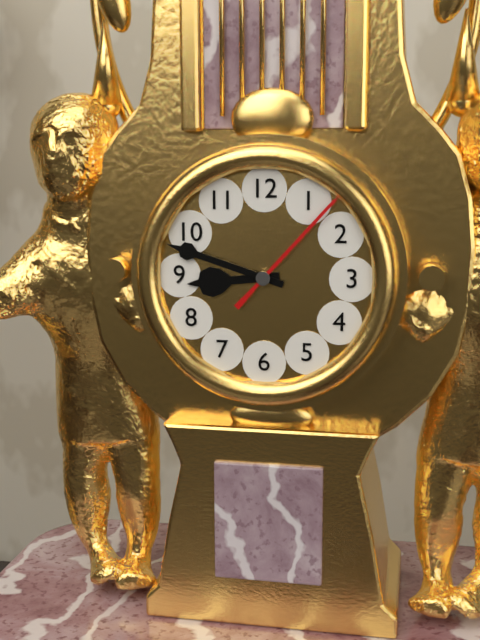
8,48,07
